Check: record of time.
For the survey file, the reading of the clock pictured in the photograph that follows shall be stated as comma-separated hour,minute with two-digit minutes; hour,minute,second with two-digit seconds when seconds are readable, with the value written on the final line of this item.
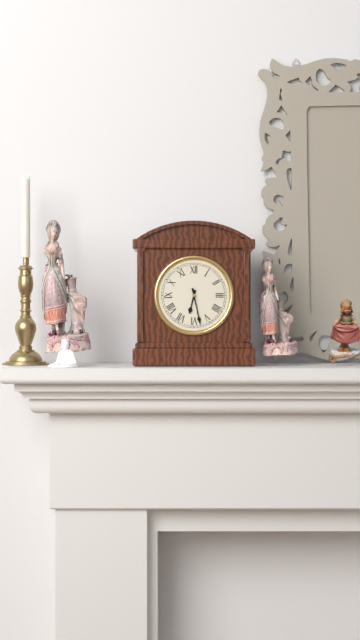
6,28
